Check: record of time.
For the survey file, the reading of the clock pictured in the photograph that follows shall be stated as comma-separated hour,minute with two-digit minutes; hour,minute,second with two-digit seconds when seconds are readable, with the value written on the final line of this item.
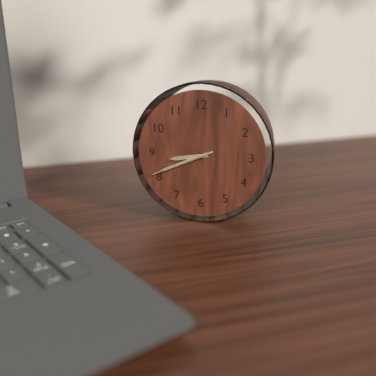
8,41,41
